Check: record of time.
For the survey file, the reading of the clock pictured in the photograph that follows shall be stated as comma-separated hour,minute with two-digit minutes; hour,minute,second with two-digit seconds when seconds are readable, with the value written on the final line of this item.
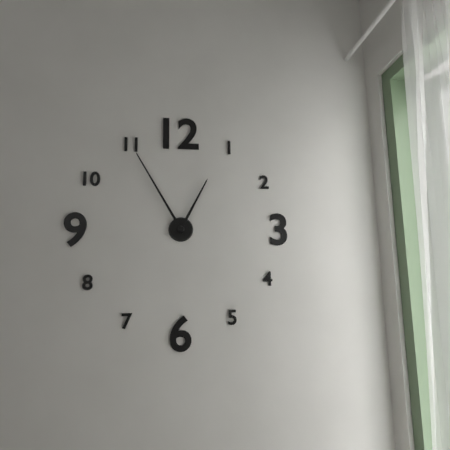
12,55
